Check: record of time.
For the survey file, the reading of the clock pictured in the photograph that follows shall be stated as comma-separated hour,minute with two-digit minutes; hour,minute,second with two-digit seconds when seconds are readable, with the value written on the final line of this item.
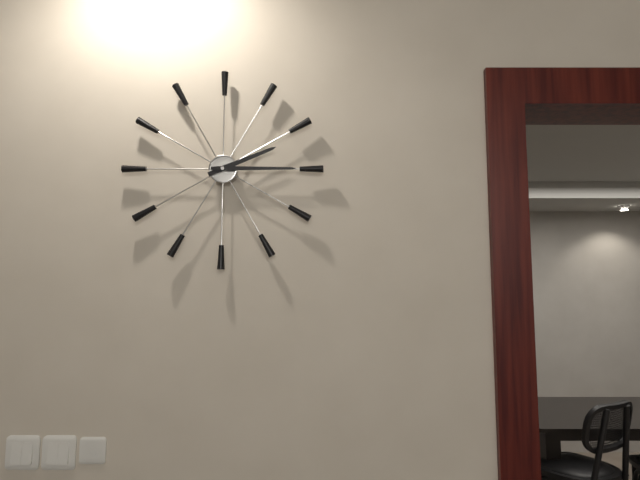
2,15
